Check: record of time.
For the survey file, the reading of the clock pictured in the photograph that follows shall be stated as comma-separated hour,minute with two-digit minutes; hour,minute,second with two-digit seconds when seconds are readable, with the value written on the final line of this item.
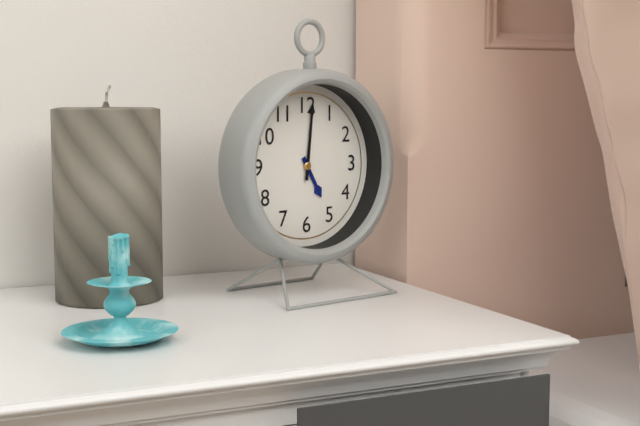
5,01
